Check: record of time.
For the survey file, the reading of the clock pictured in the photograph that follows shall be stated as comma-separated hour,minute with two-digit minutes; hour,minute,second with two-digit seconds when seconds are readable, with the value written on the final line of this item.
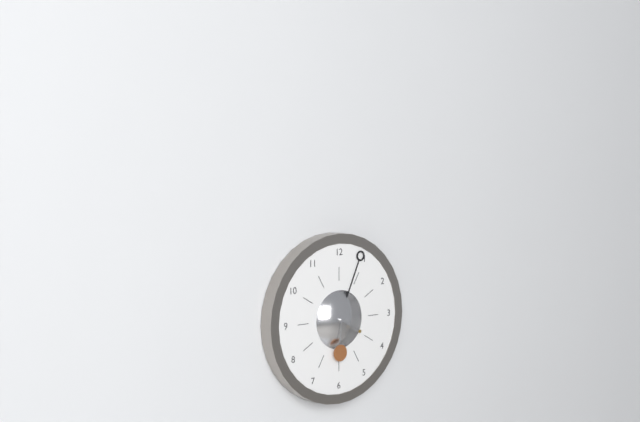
6,04
